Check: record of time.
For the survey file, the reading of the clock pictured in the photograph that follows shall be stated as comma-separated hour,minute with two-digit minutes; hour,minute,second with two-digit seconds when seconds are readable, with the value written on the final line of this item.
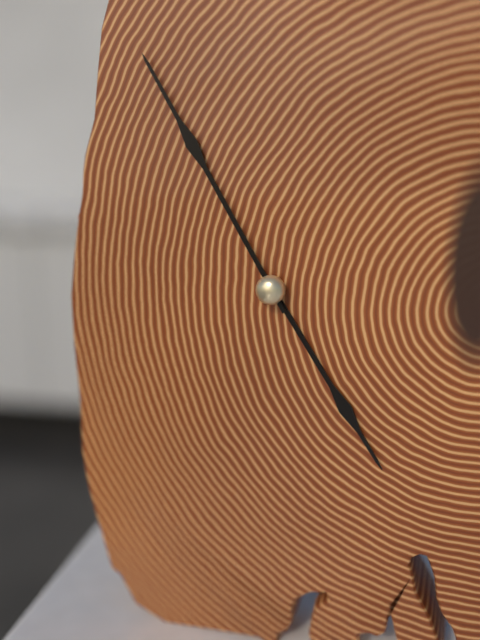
4,55
